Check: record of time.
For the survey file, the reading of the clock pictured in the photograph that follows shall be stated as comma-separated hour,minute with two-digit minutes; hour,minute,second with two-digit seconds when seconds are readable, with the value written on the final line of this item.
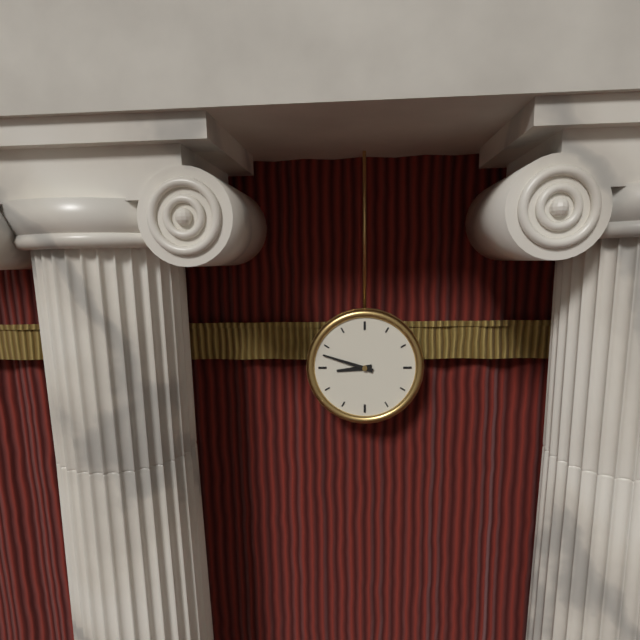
8,48
